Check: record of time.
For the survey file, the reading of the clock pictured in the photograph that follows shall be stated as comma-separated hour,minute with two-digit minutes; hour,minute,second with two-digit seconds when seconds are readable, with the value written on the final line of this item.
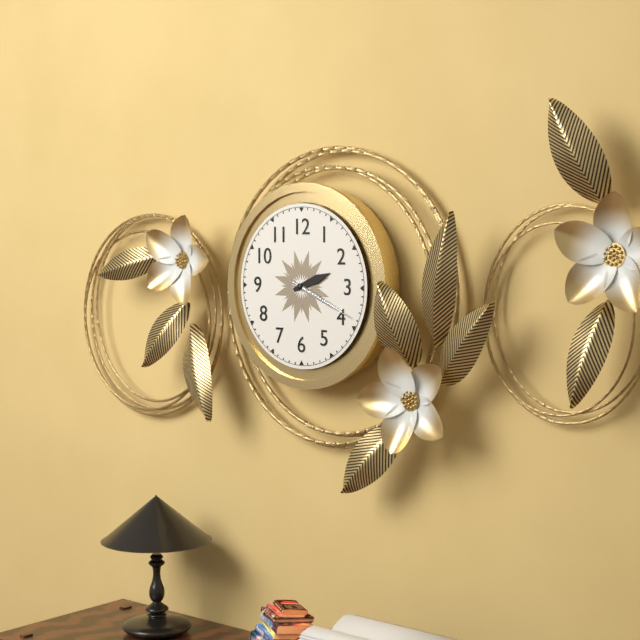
2,19,19
